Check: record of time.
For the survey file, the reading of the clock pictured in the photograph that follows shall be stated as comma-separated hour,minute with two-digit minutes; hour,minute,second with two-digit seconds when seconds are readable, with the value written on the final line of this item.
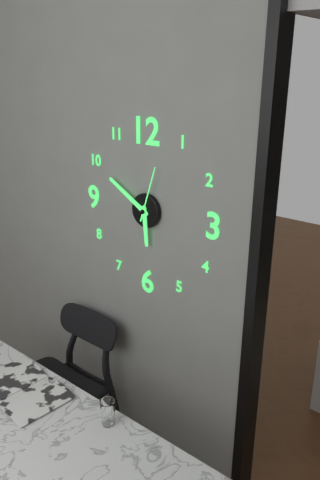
5,50,03
